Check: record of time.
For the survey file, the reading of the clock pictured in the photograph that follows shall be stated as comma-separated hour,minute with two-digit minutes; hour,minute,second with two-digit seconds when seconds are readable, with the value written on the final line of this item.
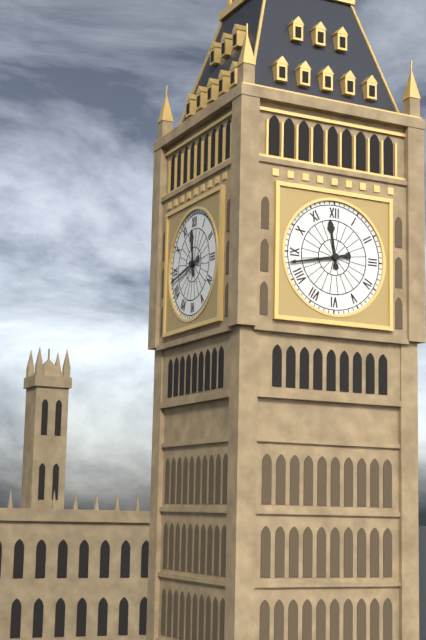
11,43
